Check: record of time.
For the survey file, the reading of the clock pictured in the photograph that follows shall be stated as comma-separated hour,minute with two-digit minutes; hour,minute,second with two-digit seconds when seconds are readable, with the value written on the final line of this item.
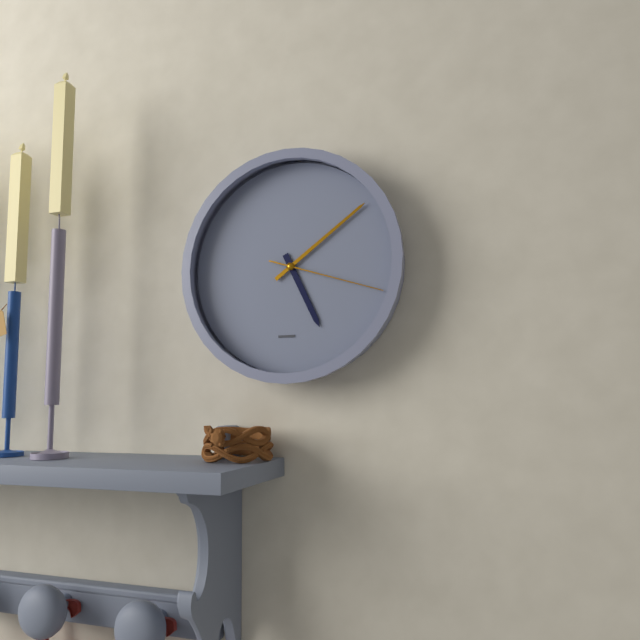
5,09,18
